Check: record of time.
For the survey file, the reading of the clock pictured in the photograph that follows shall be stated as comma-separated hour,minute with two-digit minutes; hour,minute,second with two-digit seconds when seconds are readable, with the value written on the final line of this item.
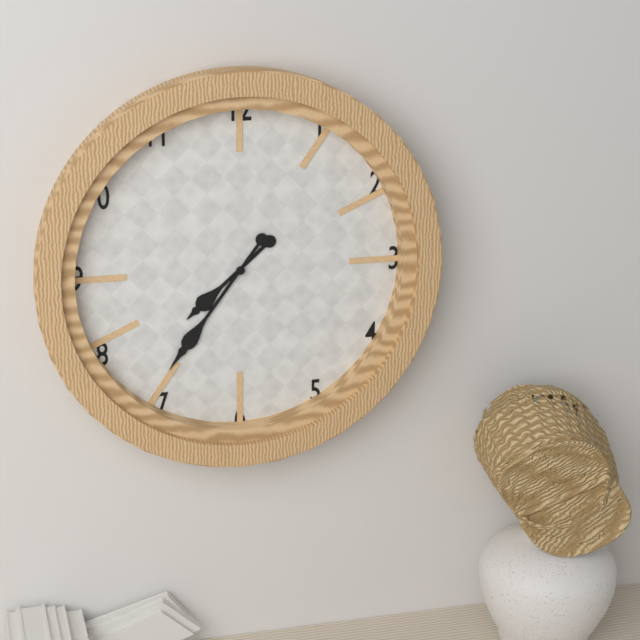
7,36
